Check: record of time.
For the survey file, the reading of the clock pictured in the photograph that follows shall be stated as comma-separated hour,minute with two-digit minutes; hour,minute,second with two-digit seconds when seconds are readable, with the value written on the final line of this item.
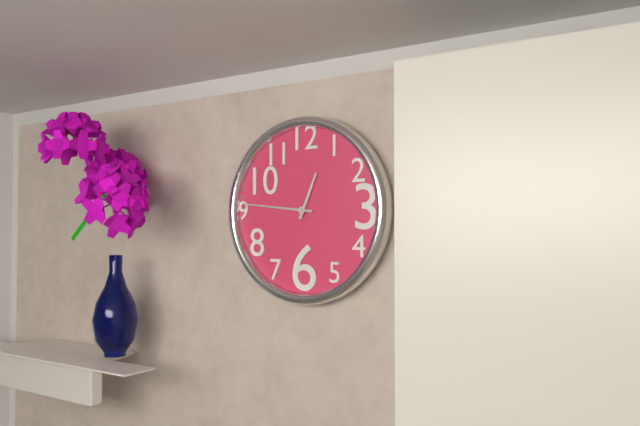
12,46
